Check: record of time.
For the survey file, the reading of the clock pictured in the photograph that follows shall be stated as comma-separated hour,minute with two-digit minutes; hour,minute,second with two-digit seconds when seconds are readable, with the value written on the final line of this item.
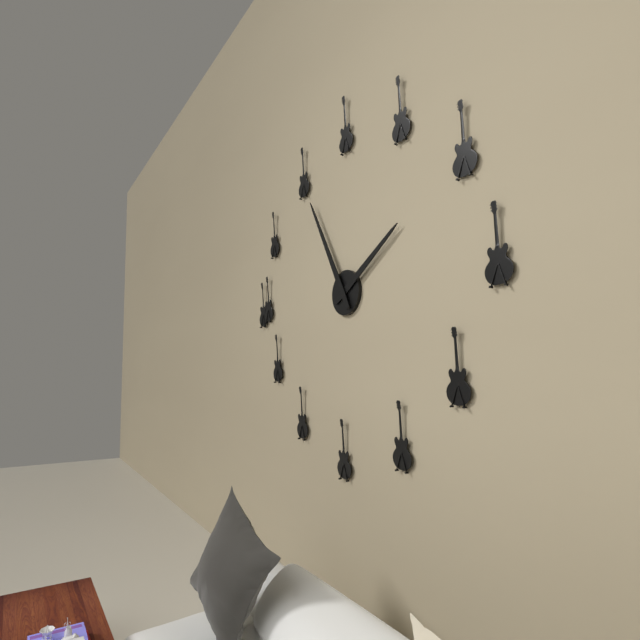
1,55
